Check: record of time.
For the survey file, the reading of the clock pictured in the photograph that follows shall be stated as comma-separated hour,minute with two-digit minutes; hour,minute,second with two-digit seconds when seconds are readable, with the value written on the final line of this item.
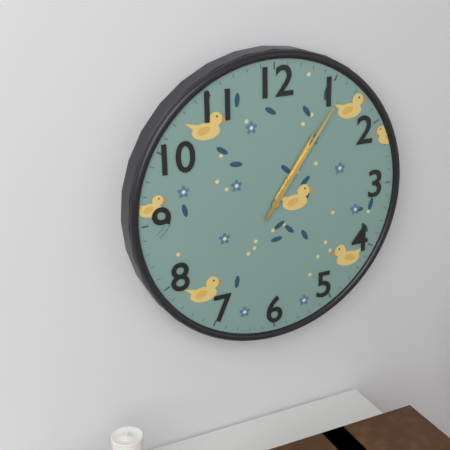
1,06
